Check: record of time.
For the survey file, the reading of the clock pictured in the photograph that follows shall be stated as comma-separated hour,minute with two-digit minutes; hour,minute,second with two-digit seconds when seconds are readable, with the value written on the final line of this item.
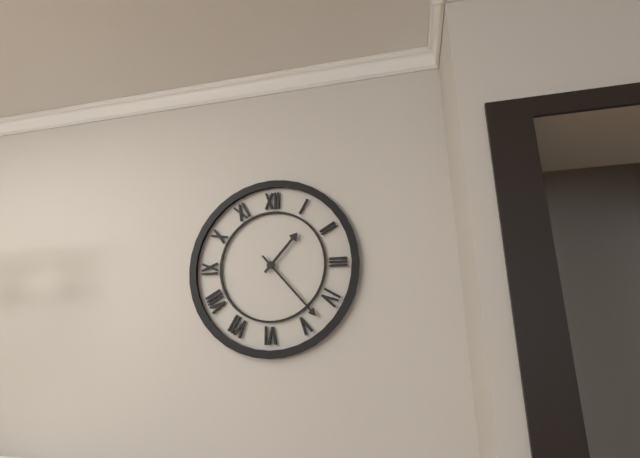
1,23
